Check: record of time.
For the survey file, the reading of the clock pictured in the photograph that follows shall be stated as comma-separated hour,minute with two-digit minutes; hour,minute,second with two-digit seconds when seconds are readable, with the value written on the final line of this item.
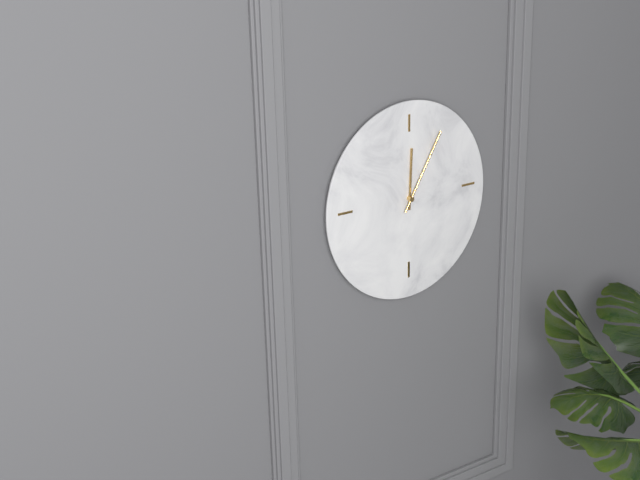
12,05
